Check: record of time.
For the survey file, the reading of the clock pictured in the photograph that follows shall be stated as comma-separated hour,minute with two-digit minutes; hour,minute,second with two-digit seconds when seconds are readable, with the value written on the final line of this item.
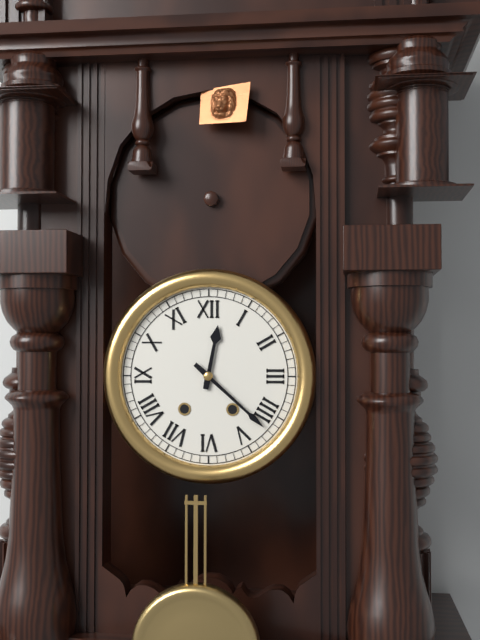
12,22
